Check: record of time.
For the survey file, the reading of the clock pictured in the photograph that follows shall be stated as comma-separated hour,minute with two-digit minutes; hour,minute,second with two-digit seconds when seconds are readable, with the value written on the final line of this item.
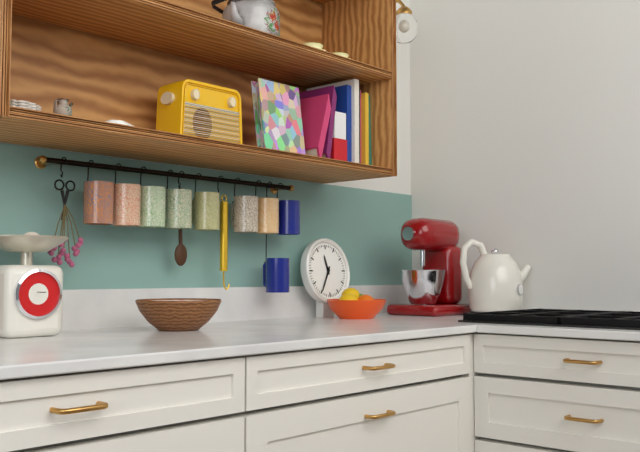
11,35
